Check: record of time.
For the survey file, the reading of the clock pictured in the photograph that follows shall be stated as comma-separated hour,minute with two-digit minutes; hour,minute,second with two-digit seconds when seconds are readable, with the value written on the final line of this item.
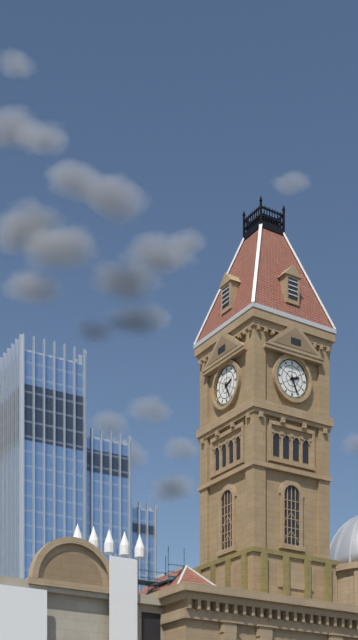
2,26
